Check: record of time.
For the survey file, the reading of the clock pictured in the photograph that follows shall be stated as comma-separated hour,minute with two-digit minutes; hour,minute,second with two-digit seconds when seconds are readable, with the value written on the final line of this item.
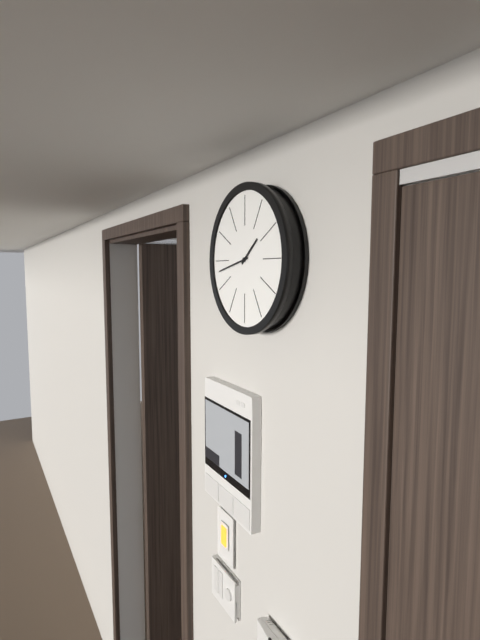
1,43
